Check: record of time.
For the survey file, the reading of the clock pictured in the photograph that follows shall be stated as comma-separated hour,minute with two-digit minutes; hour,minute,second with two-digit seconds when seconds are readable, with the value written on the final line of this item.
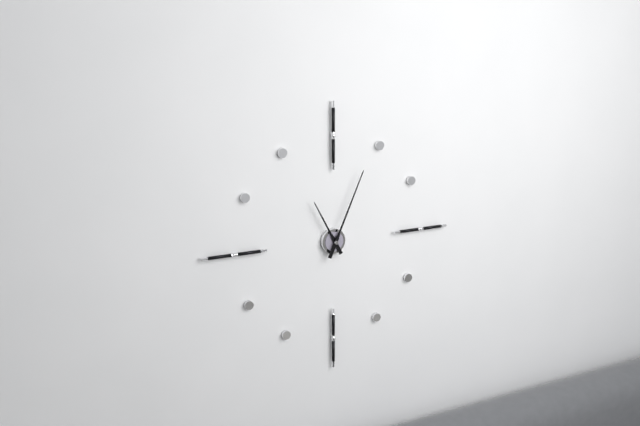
11,04
